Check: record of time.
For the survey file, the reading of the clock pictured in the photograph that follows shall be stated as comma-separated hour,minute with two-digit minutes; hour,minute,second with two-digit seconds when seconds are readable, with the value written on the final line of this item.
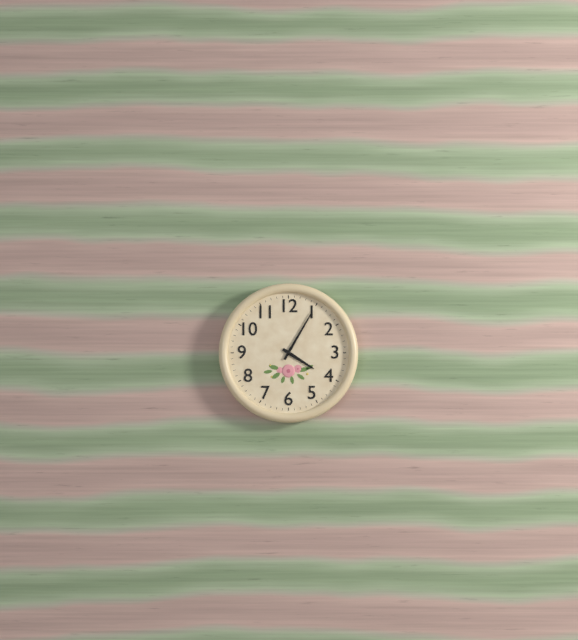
4,05
